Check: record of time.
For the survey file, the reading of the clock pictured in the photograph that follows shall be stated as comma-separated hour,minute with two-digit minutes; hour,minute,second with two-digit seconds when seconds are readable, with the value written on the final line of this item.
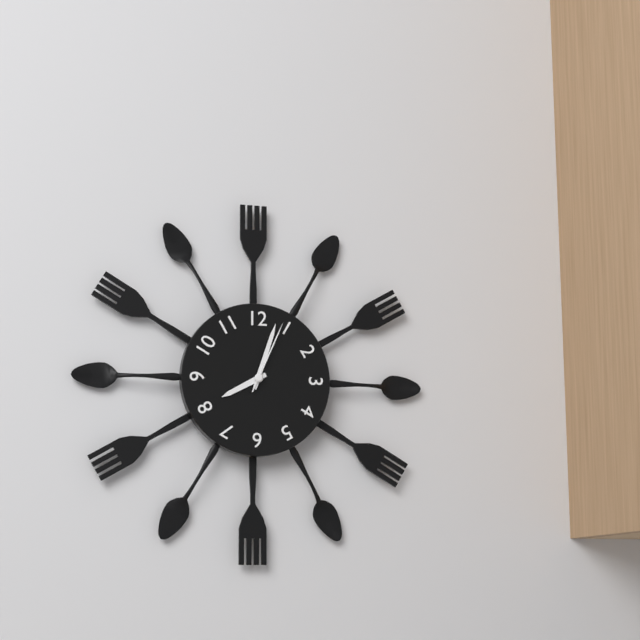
8,03,04
